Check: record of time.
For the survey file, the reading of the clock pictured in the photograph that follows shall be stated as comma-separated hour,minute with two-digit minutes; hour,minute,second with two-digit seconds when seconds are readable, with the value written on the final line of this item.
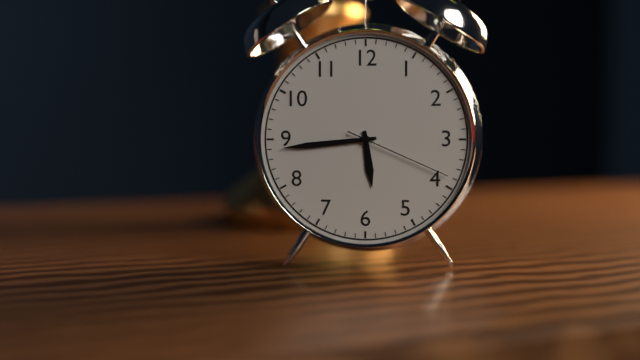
5,44,19
